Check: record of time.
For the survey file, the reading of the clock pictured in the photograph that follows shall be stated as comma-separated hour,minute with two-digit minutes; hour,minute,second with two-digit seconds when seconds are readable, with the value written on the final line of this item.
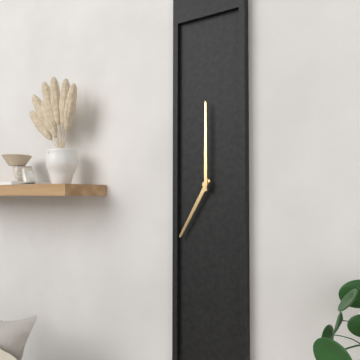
7,00
